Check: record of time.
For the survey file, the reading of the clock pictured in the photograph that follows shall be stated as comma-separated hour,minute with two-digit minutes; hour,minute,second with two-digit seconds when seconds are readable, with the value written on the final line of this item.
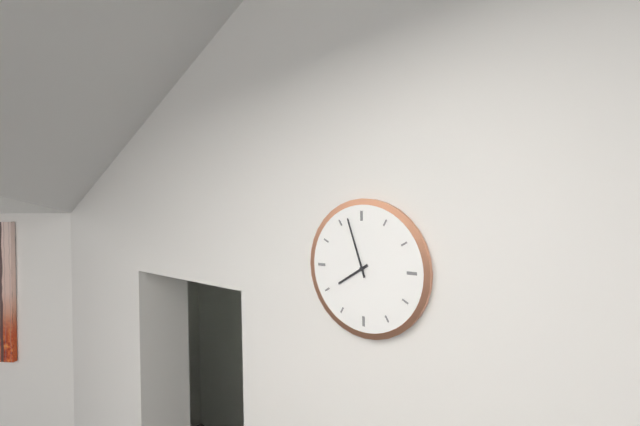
7,57
